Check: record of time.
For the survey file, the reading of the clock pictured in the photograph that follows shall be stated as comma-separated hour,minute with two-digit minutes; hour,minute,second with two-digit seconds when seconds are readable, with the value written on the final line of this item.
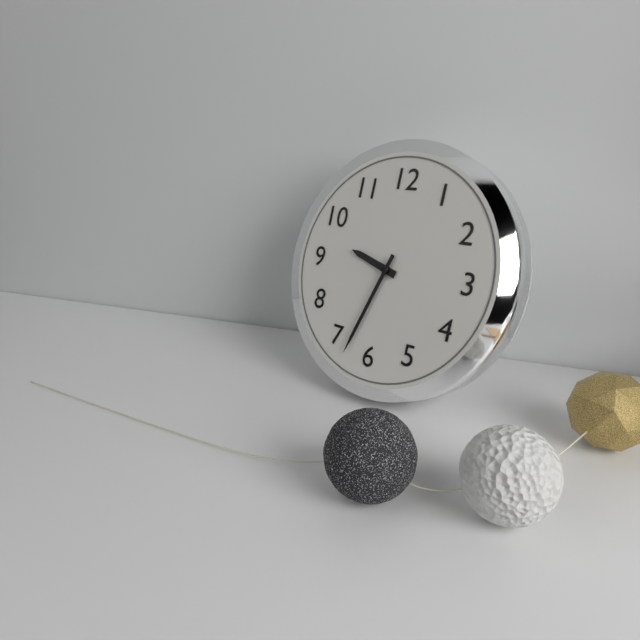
9,33
